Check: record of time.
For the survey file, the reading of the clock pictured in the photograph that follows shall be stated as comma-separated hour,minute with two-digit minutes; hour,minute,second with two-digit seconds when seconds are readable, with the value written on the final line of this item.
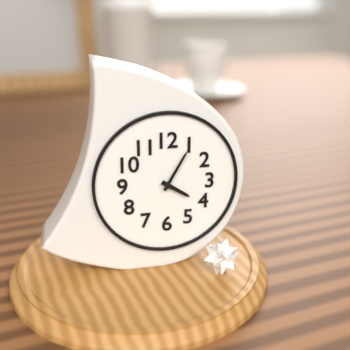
4,05
